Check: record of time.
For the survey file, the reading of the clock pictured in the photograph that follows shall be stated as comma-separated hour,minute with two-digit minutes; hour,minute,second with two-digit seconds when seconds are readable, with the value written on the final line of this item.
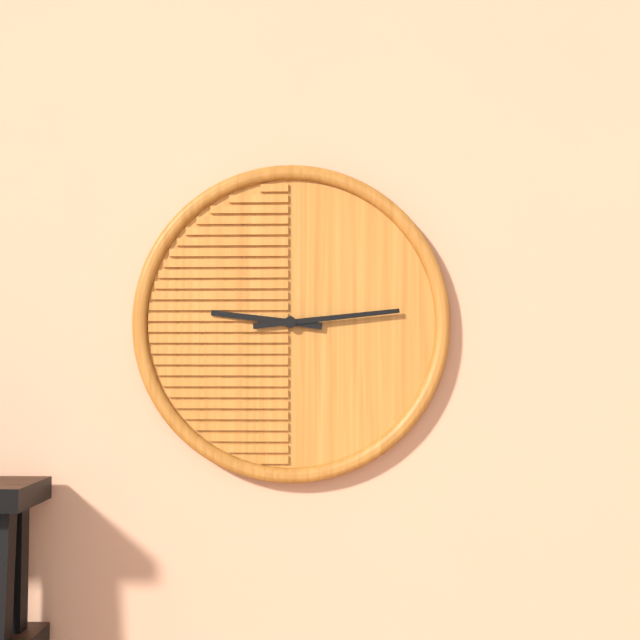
9,14
